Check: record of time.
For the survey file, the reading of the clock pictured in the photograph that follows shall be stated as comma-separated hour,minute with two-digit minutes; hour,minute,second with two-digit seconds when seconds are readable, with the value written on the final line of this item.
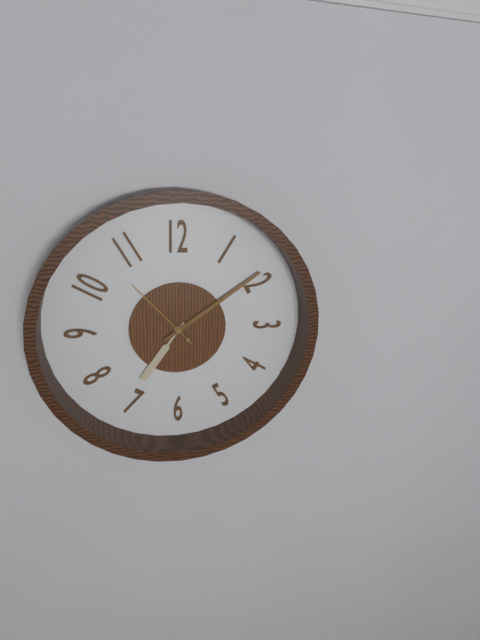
7,09,53
